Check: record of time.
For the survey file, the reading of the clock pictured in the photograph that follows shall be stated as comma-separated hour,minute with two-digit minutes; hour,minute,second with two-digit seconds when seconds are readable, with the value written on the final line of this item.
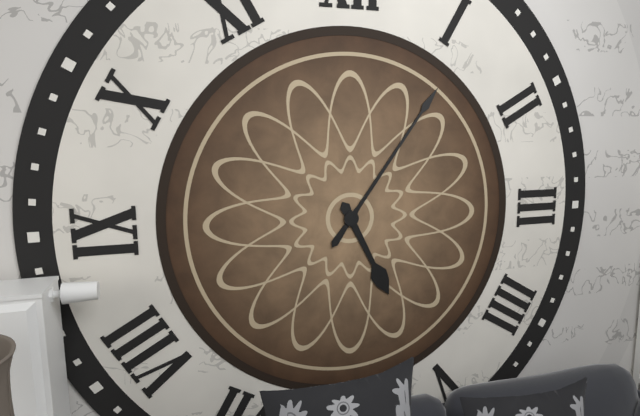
5,06
